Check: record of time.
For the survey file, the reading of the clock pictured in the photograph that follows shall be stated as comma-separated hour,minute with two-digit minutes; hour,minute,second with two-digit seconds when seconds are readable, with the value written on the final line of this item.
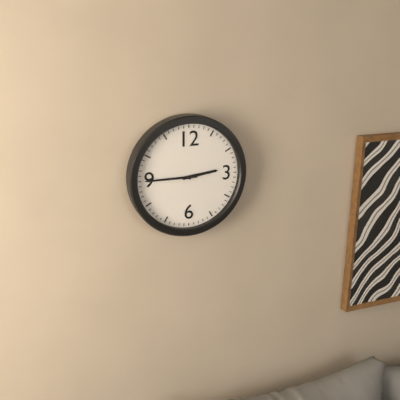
2,45
